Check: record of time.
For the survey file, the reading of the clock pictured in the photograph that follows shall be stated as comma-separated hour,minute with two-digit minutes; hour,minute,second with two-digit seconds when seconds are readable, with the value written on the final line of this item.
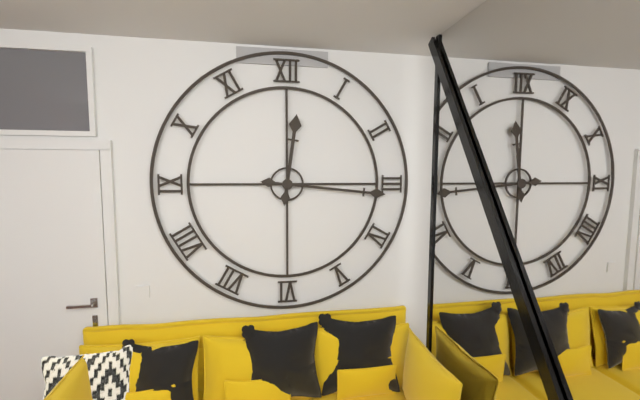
12,16
